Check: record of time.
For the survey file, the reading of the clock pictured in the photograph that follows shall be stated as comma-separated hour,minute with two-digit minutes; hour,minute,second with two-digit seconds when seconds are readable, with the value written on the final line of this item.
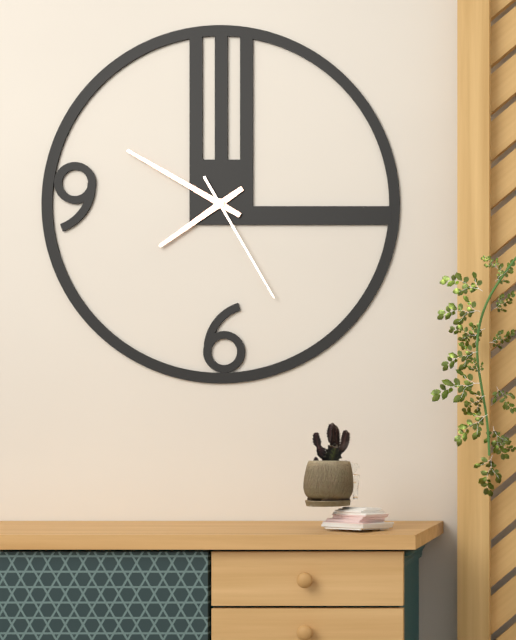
7,50,25
